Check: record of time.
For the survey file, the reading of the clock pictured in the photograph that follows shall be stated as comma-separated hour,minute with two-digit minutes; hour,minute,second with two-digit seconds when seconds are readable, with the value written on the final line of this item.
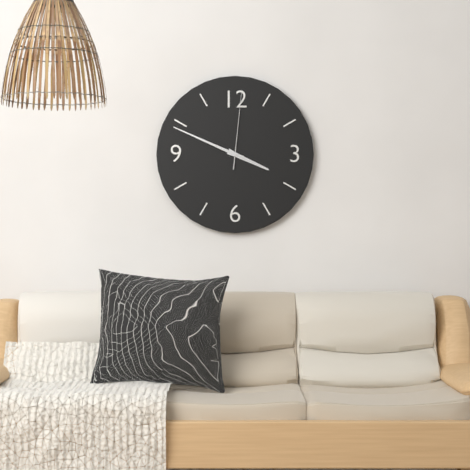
3,49,01
